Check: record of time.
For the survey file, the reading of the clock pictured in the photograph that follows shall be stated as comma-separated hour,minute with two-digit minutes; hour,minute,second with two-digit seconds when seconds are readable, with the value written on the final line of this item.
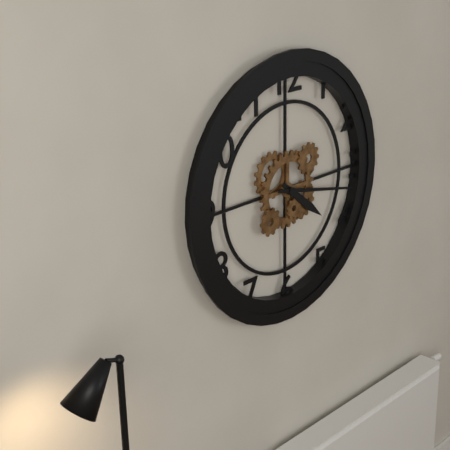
4,17
